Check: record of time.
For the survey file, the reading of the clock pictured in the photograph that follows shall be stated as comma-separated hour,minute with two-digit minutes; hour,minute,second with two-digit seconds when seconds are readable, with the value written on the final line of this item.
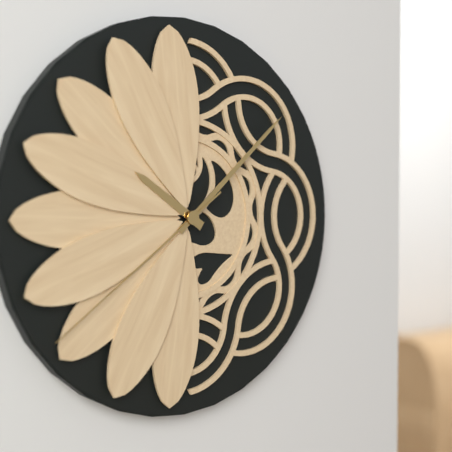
10,08,39
